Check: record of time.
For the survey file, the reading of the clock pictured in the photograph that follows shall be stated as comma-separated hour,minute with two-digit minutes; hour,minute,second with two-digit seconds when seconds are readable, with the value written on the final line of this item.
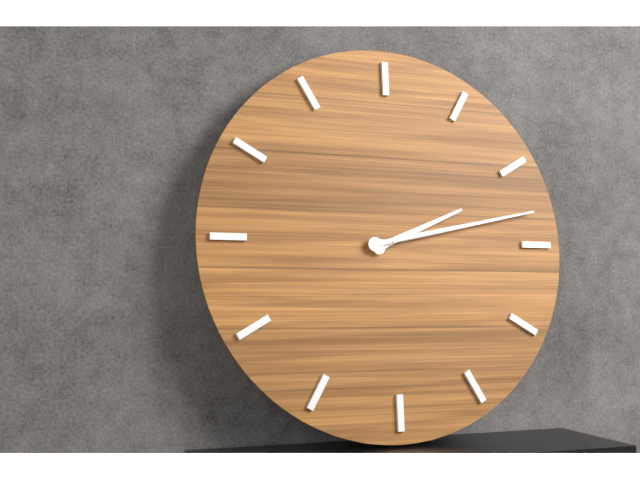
2,13
